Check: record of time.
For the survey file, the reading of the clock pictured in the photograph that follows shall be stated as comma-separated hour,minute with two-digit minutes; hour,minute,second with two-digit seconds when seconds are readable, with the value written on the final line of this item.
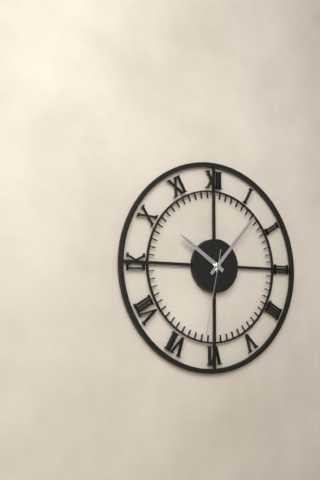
10,07,32
